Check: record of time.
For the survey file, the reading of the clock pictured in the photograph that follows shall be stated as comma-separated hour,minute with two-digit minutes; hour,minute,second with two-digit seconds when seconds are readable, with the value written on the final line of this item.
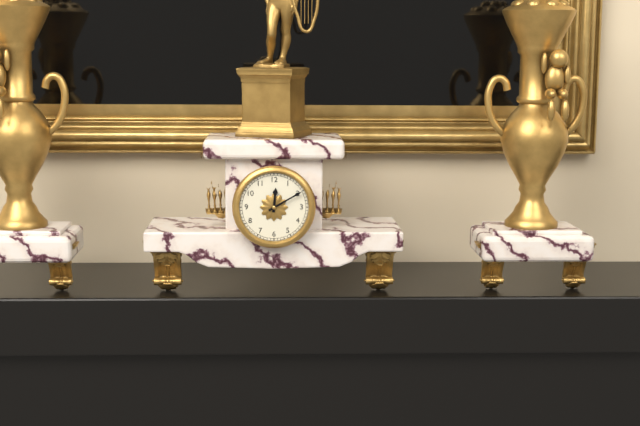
12,10
